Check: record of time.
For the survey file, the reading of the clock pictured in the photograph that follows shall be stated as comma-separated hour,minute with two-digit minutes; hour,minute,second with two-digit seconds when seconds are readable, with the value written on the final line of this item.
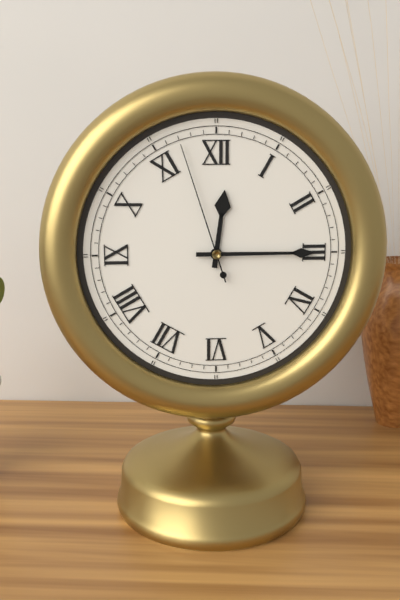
12,15,57
